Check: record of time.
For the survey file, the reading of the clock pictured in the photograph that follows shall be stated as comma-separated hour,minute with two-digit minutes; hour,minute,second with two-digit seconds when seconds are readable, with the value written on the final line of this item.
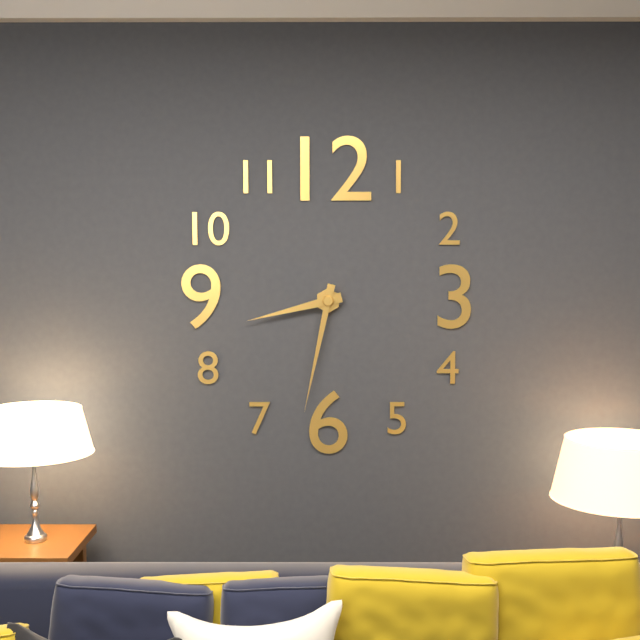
8,32
